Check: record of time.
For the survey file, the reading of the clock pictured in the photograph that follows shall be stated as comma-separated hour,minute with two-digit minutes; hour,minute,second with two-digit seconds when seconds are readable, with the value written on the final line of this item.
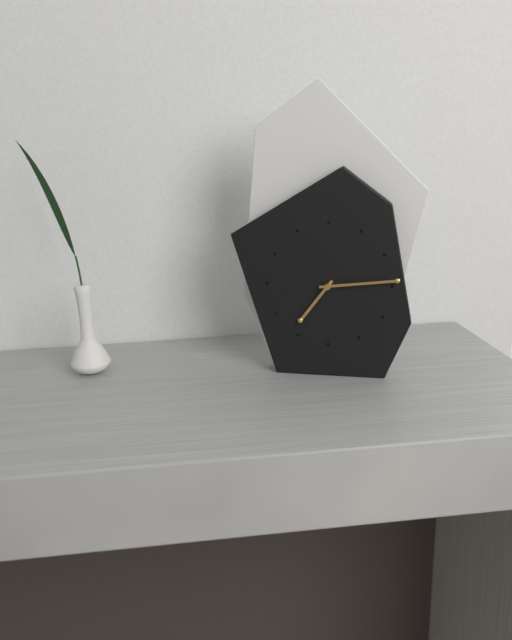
7,14
